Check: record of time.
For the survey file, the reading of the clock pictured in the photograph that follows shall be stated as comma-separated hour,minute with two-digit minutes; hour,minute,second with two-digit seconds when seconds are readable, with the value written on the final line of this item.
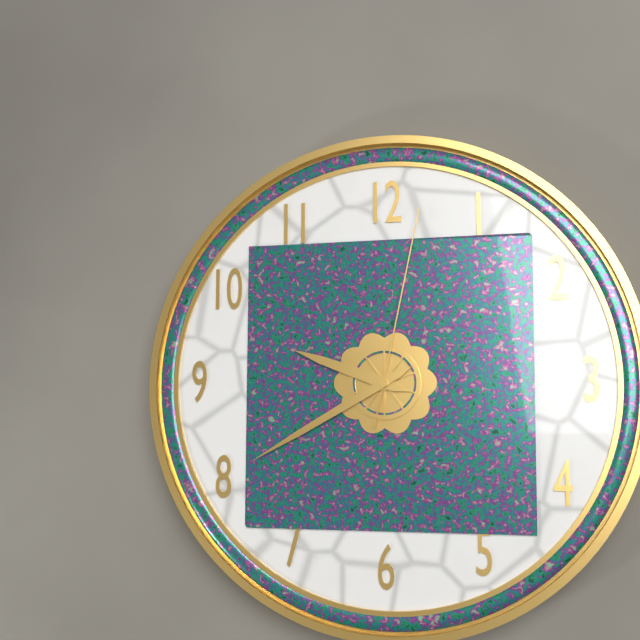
9,40,02
